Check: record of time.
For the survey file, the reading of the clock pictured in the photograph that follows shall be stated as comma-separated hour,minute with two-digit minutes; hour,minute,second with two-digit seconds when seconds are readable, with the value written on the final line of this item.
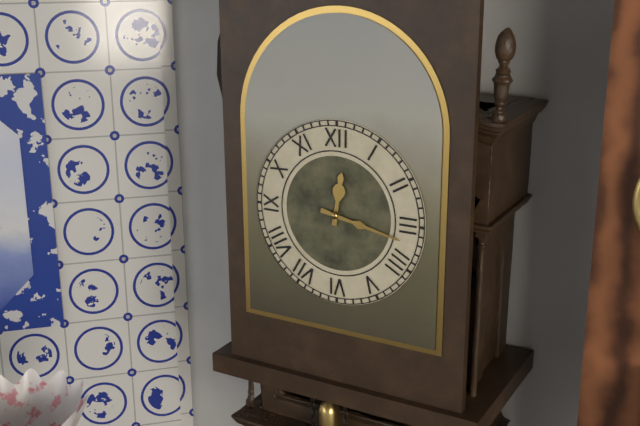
12,17
